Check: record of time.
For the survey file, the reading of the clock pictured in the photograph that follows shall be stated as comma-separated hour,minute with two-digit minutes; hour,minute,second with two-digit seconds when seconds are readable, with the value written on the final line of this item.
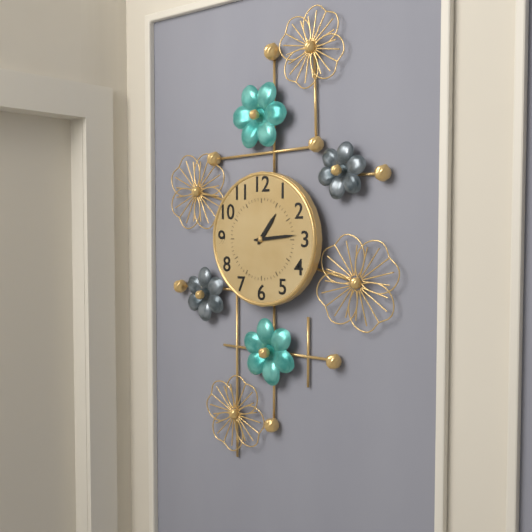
1,14
